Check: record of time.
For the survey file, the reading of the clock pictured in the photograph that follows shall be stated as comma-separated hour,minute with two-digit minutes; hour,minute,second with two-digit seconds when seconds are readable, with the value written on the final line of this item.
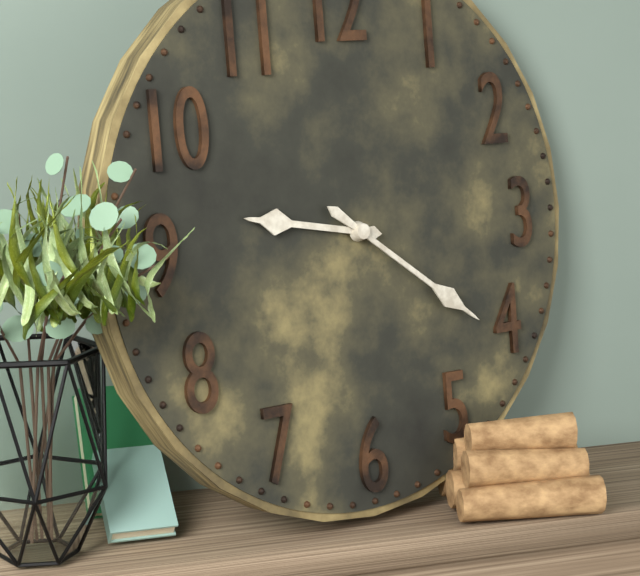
9,21
